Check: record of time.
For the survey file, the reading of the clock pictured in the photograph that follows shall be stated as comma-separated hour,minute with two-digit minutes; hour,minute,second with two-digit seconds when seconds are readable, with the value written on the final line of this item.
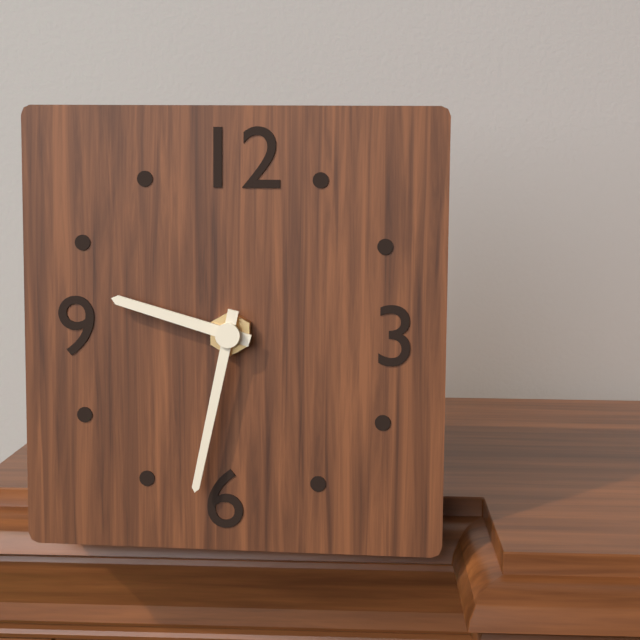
9,32
